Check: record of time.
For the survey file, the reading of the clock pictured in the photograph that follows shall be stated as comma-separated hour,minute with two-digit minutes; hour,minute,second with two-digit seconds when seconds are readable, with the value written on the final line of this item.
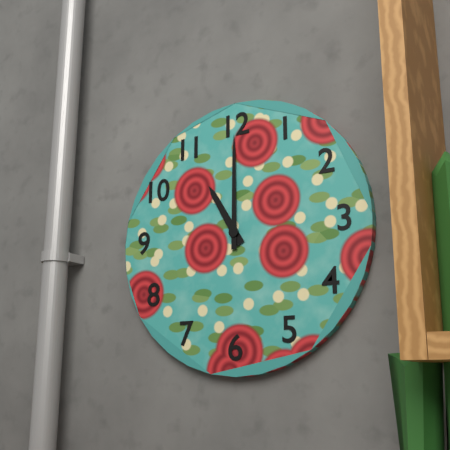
11,00
